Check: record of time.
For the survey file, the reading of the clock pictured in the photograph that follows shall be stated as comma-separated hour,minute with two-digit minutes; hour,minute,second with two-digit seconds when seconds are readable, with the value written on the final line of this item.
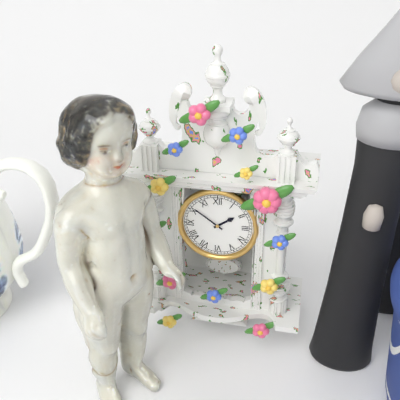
1,51
